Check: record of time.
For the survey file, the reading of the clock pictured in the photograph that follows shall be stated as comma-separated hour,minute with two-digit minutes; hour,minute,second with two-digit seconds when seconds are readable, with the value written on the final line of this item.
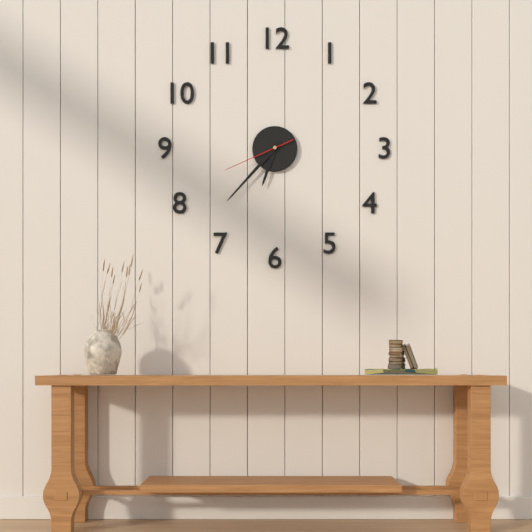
6,37,41
